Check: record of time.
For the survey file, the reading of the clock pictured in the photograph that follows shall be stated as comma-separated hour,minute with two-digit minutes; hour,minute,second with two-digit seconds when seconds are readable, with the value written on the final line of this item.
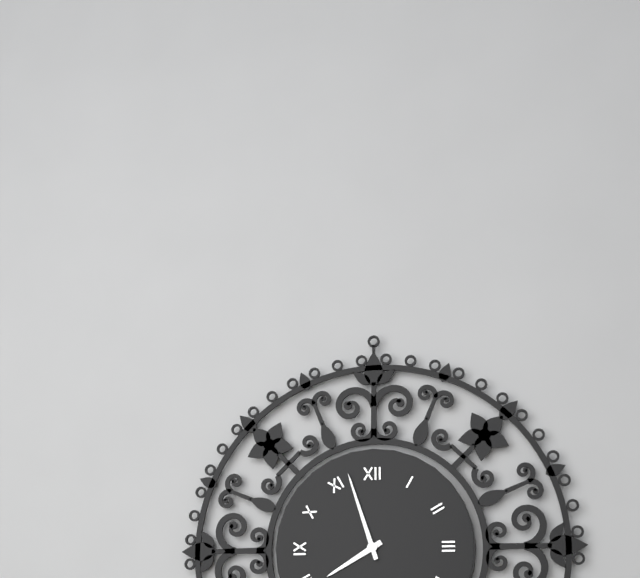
7,57
